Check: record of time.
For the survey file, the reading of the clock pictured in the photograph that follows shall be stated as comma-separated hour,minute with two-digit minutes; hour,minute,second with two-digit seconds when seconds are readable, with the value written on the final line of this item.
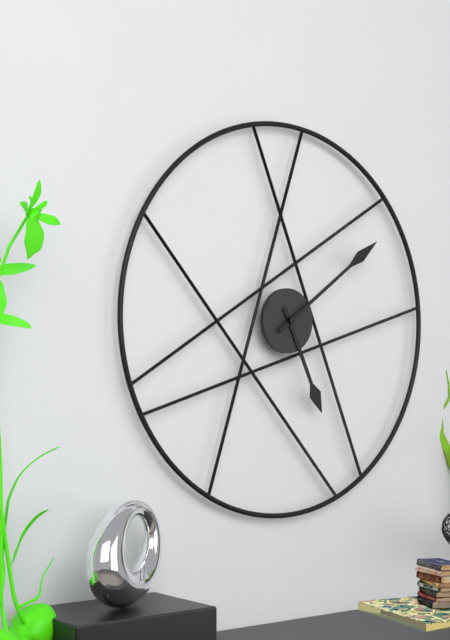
5,09
